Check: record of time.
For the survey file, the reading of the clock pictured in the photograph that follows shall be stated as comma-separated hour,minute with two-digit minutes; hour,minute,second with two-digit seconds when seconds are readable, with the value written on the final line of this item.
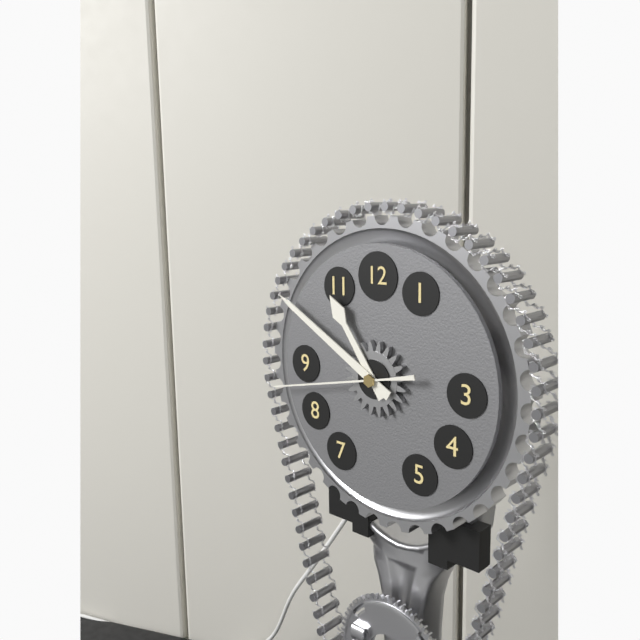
10,50,43
